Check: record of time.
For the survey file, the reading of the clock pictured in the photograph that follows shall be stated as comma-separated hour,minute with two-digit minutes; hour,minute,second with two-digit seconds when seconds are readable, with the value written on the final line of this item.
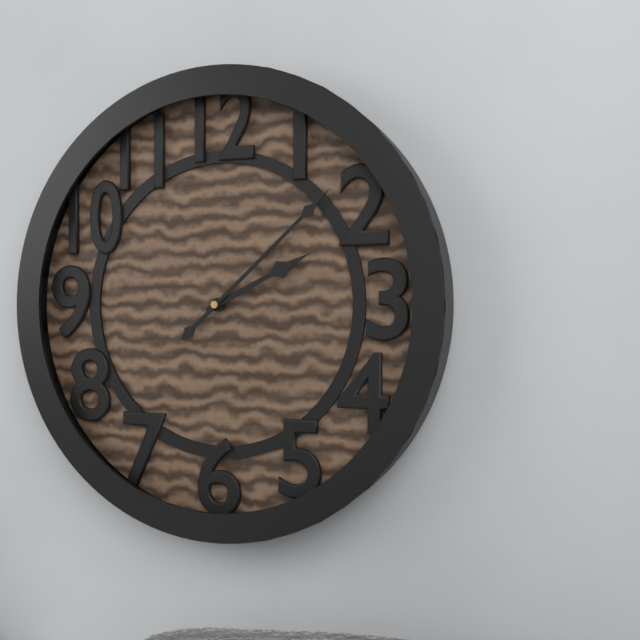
2,08
